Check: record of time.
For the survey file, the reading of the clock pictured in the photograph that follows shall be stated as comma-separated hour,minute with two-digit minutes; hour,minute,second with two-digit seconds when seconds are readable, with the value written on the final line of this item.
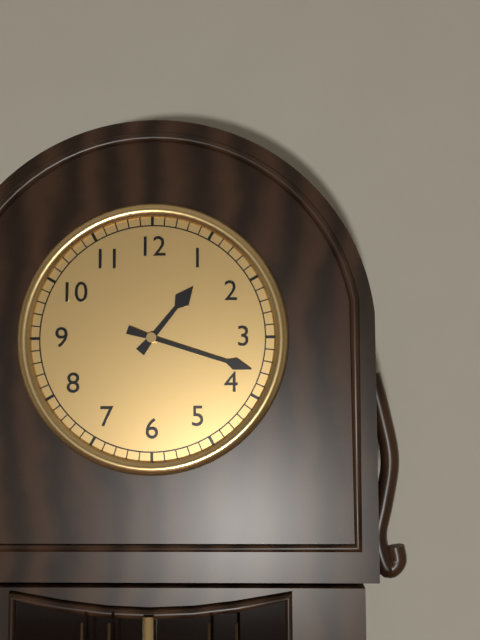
1,18
